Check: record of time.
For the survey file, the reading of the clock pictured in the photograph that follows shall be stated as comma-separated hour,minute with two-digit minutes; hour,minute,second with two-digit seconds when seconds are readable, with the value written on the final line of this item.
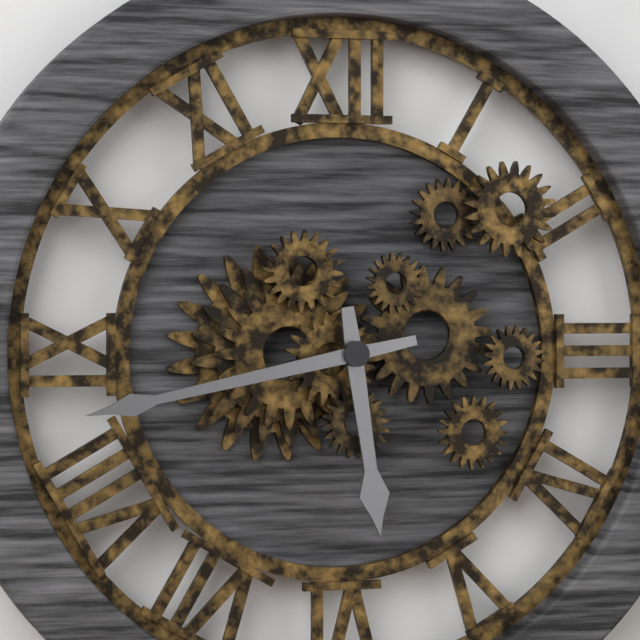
5,43
